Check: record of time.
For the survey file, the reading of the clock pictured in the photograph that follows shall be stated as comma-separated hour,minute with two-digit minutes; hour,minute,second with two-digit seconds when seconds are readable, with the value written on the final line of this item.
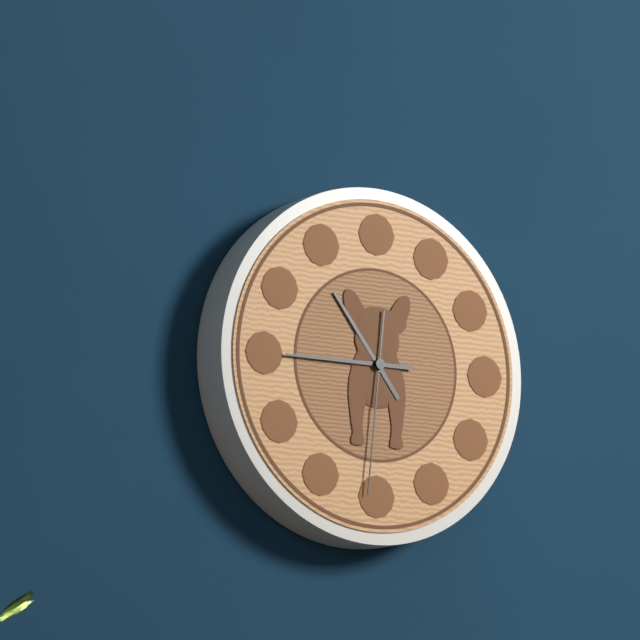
10,45,31
